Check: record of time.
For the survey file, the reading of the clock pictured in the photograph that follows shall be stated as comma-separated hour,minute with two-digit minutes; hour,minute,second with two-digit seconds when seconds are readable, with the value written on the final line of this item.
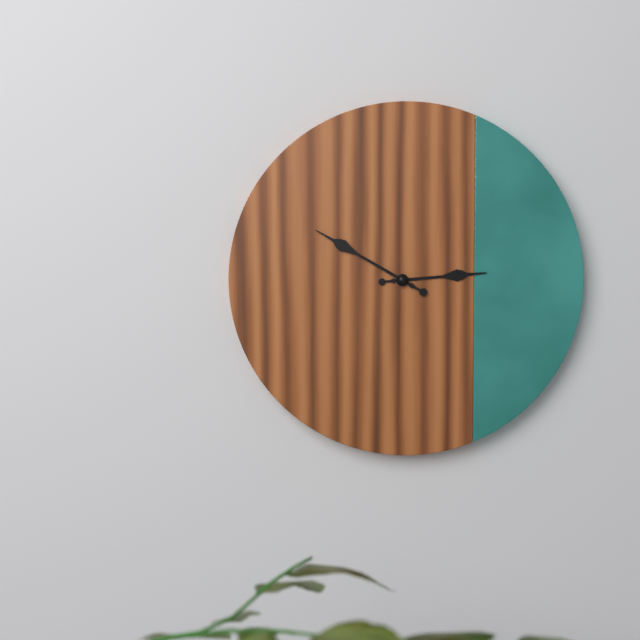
2,50
